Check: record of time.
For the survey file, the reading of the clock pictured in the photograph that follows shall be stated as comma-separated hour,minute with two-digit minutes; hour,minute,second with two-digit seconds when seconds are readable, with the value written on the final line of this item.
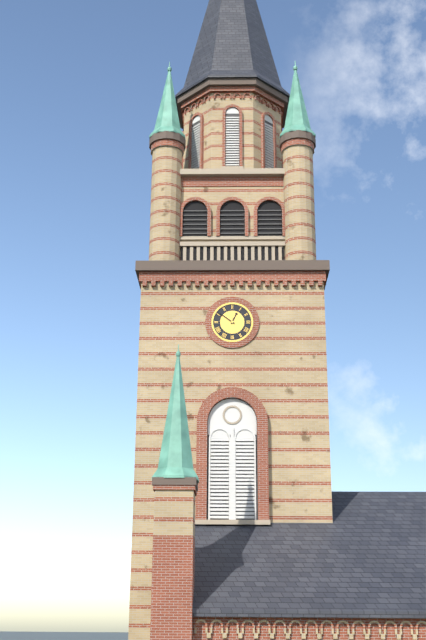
12,51
